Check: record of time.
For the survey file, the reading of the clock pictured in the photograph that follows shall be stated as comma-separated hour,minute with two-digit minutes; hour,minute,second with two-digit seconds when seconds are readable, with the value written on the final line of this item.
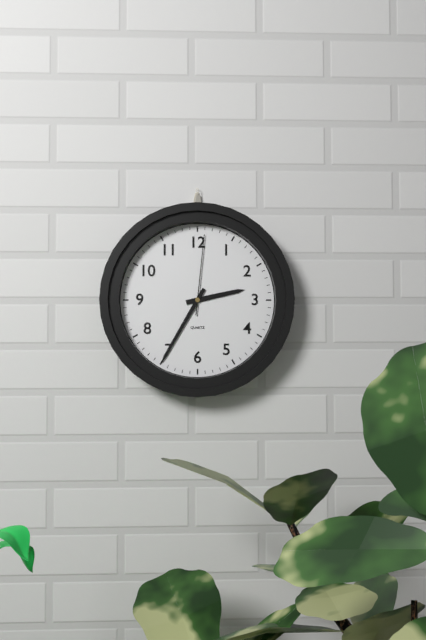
2,35,01
